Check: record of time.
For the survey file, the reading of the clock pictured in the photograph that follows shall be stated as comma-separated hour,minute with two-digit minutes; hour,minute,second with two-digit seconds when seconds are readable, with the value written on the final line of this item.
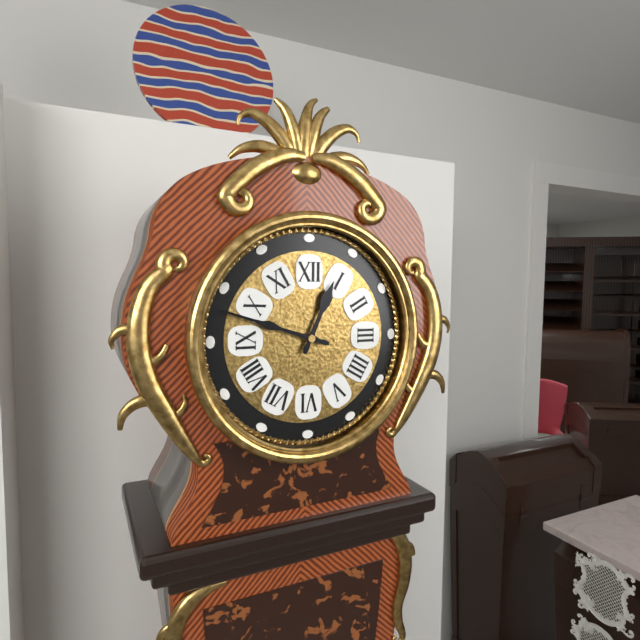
12,48
